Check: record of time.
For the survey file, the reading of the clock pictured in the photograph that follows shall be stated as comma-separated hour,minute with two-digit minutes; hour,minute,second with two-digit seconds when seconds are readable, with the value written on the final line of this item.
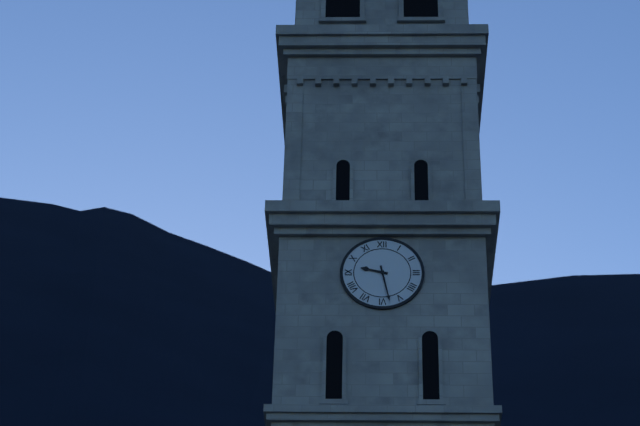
9,28
